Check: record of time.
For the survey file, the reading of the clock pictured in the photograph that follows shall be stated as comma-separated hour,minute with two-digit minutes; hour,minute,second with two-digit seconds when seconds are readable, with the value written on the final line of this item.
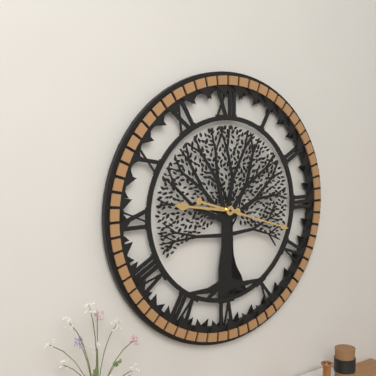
9,18
